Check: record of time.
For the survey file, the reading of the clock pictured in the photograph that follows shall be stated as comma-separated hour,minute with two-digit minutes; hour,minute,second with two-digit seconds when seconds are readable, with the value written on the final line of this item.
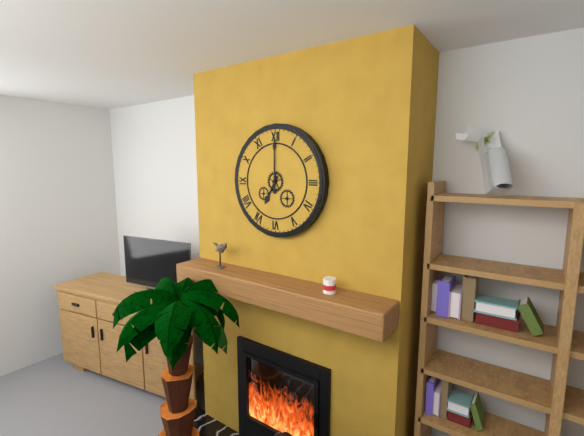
7,00
